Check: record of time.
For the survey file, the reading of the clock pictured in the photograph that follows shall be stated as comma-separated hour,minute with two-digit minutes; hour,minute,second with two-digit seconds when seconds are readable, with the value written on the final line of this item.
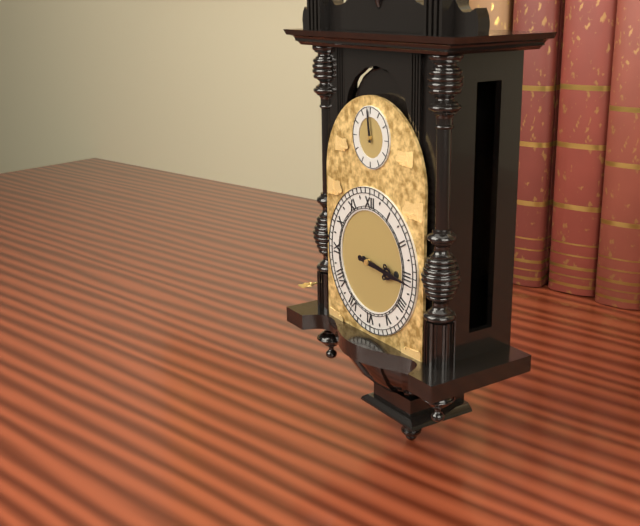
3,16
